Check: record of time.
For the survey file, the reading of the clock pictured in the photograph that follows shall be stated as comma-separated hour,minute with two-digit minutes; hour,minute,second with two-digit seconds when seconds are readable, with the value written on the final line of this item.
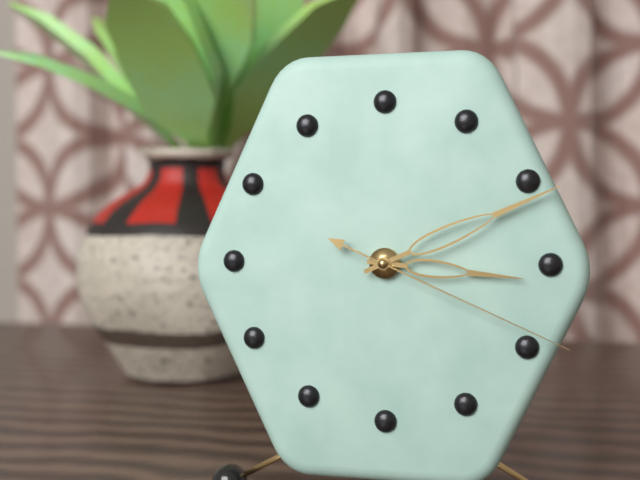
3,11,19
